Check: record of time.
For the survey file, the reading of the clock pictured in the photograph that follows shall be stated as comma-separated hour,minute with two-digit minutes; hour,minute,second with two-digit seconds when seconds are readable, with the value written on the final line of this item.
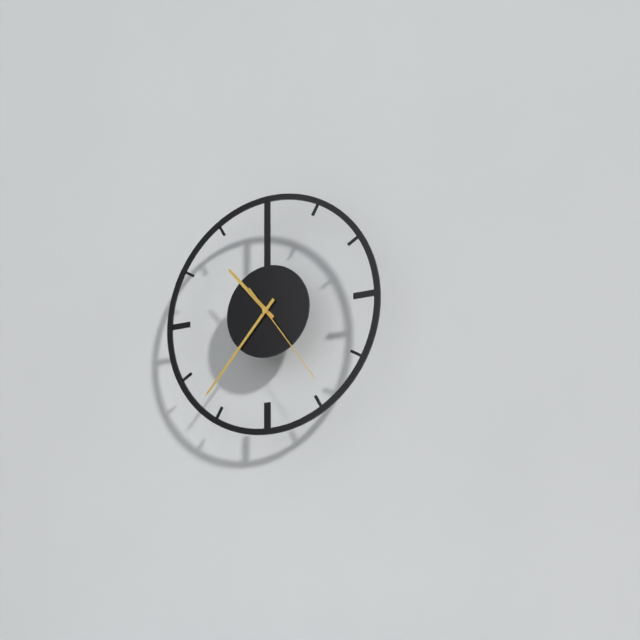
10,37,24
